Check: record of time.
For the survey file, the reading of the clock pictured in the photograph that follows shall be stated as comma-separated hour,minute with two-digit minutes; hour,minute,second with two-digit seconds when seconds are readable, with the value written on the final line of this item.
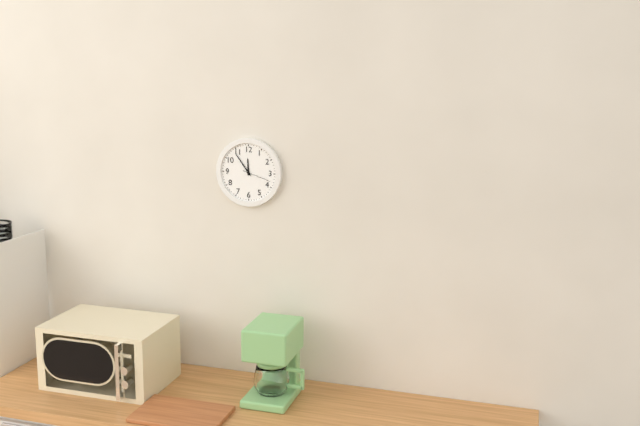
11,54
